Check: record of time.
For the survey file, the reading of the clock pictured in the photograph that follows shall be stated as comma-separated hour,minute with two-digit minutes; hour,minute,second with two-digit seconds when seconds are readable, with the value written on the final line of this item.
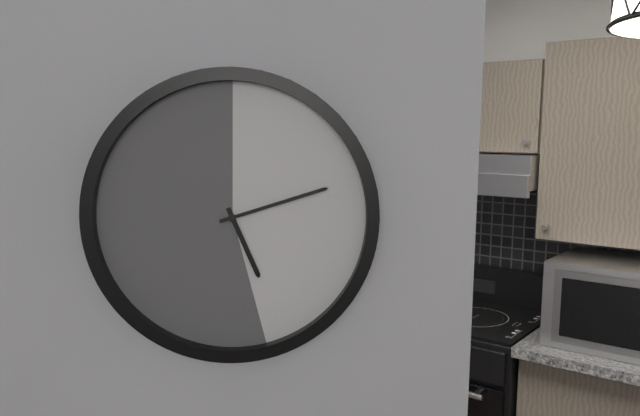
5,12
